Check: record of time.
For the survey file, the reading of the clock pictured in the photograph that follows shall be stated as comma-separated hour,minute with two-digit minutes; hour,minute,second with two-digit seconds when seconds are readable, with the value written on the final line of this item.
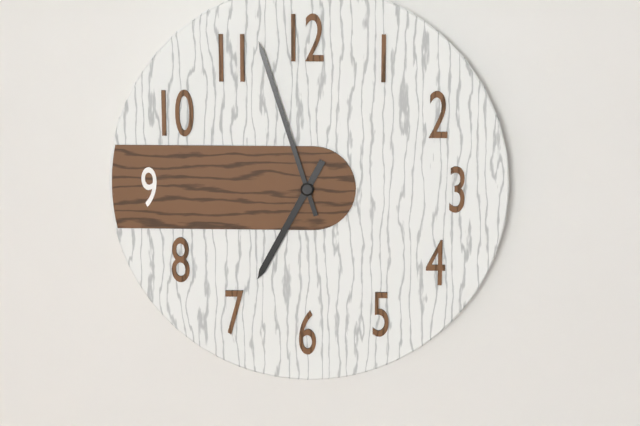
6,57
